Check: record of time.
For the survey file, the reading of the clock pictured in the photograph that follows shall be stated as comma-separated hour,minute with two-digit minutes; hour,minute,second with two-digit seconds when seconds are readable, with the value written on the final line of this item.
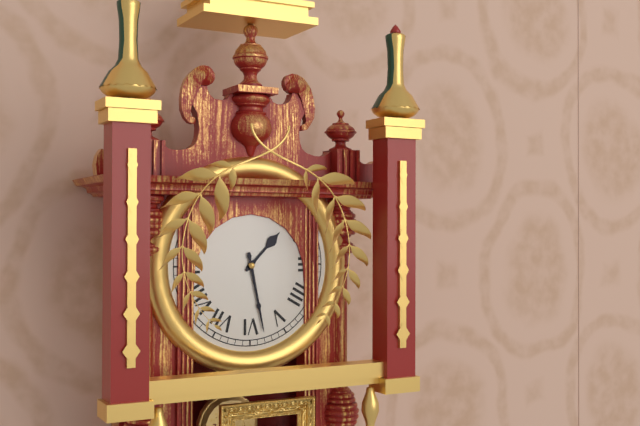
1,28
